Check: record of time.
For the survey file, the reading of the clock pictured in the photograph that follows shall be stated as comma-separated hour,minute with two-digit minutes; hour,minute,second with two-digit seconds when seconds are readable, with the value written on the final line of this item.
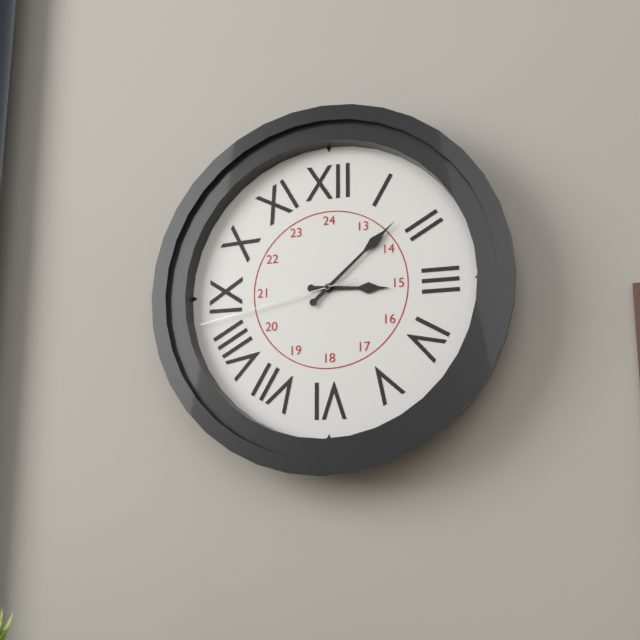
3,08,43
